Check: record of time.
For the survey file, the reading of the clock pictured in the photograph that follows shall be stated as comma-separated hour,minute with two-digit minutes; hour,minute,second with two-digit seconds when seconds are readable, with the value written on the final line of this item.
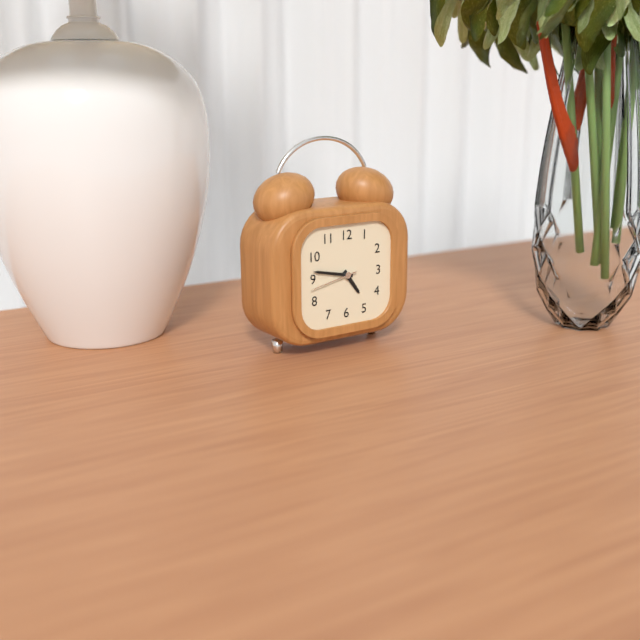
4,47,43
